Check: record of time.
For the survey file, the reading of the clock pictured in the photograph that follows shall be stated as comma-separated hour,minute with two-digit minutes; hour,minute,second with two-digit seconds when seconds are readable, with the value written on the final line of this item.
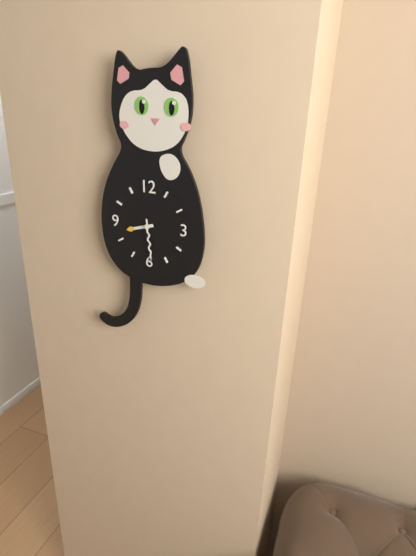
8,29
